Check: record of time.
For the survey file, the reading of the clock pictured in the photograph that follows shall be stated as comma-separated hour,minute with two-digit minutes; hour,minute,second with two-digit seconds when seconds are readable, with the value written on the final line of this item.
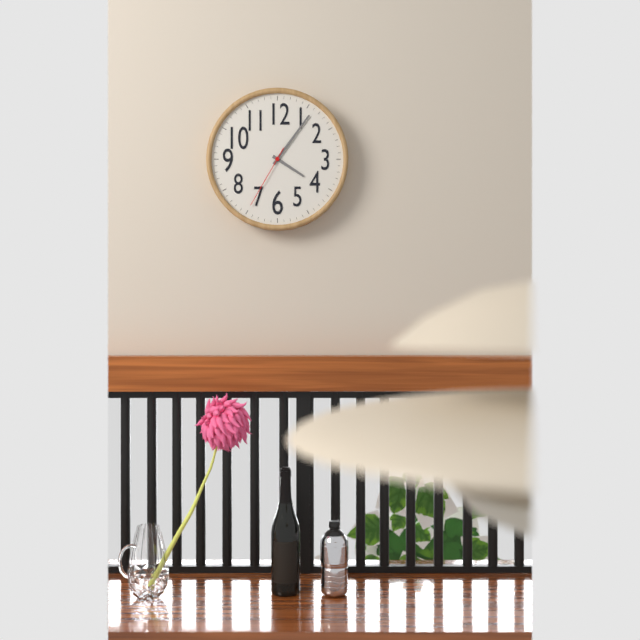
4,06,35
